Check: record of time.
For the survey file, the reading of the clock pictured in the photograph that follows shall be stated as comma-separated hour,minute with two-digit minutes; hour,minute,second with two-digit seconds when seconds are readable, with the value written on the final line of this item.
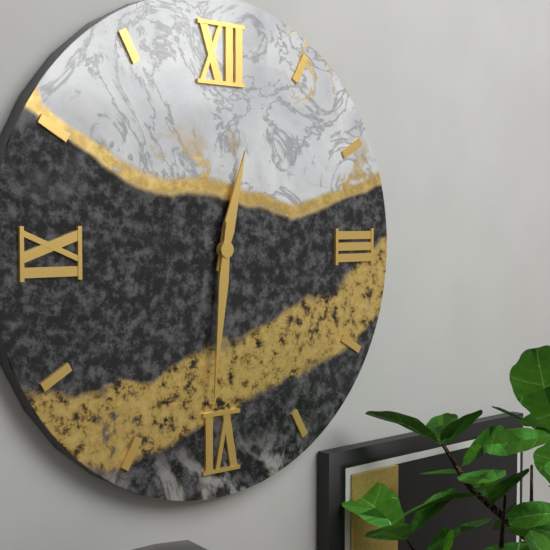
12,31
